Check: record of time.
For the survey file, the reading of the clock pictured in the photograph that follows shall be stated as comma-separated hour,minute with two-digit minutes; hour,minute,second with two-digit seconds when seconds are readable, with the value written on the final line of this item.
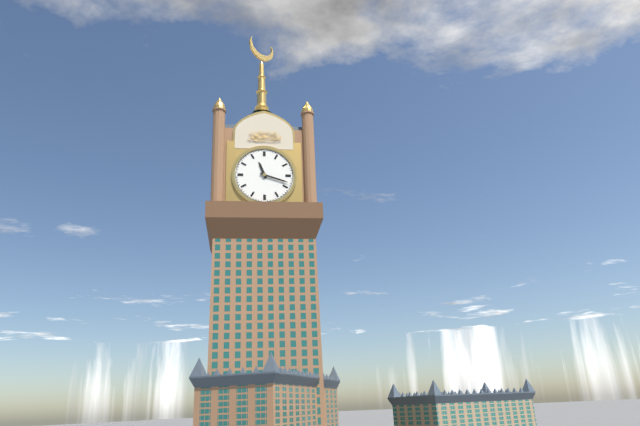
11,18
